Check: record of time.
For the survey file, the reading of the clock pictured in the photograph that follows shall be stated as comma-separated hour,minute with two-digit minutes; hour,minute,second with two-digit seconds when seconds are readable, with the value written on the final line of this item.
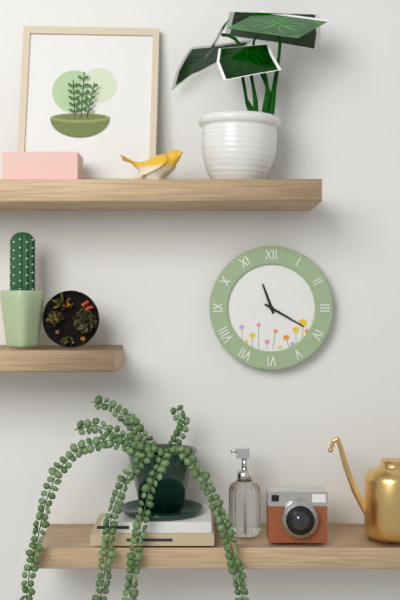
11,20
